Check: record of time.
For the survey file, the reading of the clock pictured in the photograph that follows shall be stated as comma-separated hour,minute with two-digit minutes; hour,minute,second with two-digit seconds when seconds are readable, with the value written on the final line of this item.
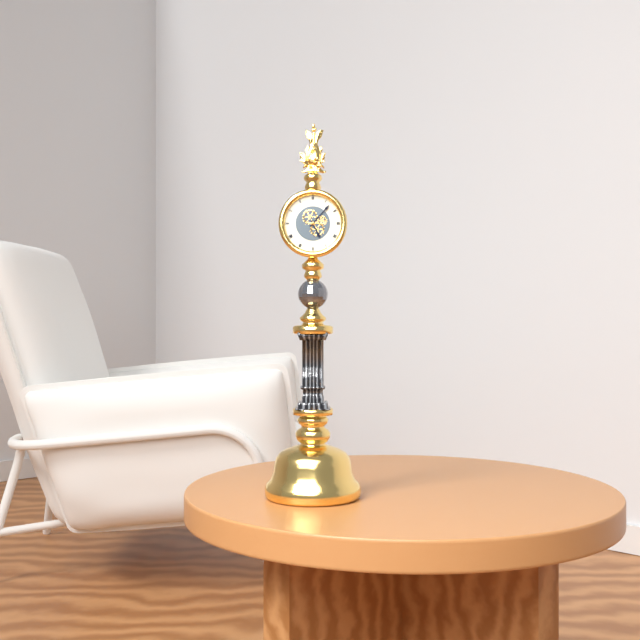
5,07
